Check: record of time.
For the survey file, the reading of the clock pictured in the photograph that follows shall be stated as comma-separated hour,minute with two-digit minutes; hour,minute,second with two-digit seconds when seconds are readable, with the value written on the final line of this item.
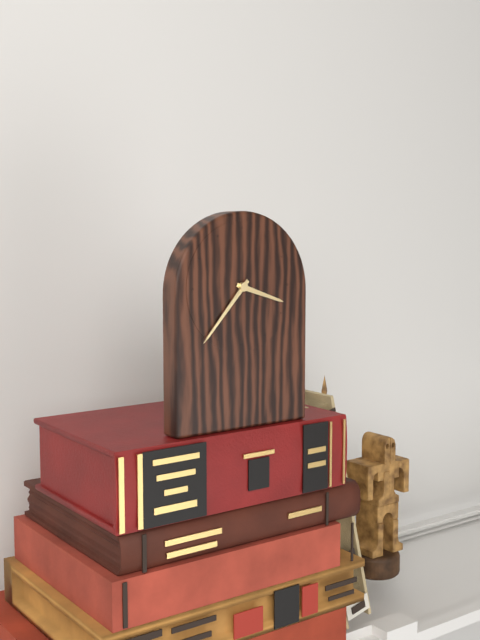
3,37
